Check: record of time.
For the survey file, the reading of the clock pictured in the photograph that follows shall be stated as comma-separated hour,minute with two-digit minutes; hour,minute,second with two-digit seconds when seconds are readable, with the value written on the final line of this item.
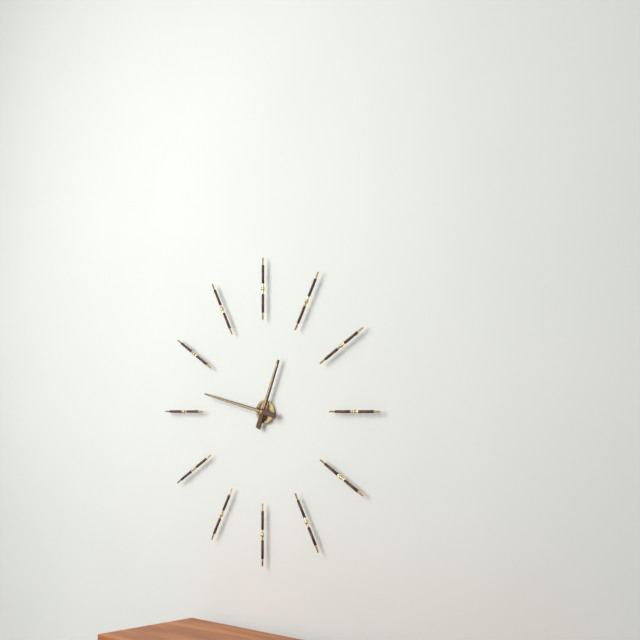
12,47
